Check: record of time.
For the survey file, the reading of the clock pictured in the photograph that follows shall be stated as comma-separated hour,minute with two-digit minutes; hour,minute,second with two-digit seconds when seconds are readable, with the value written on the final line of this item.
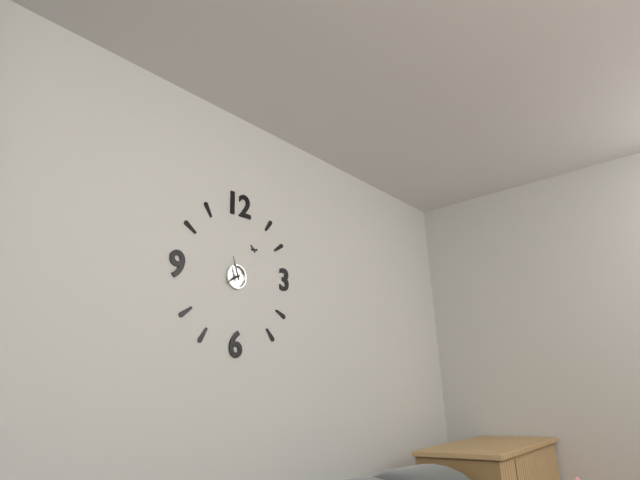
7,57
